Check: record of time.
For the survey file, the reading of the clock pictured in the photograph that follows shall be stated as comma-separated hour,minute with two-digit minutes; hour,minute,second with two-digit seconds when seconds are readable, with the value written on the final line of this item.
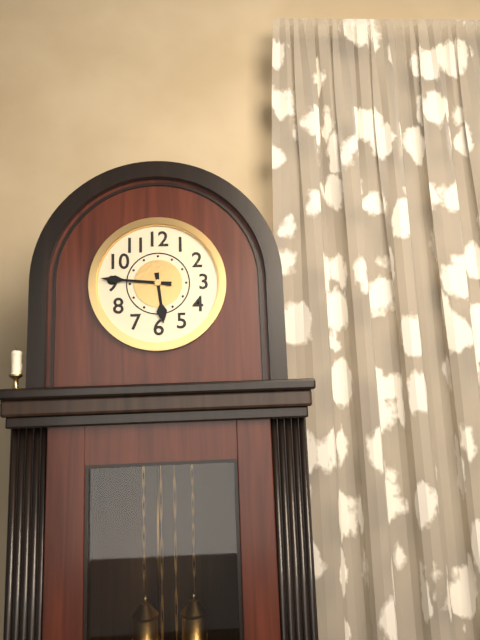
5,46
